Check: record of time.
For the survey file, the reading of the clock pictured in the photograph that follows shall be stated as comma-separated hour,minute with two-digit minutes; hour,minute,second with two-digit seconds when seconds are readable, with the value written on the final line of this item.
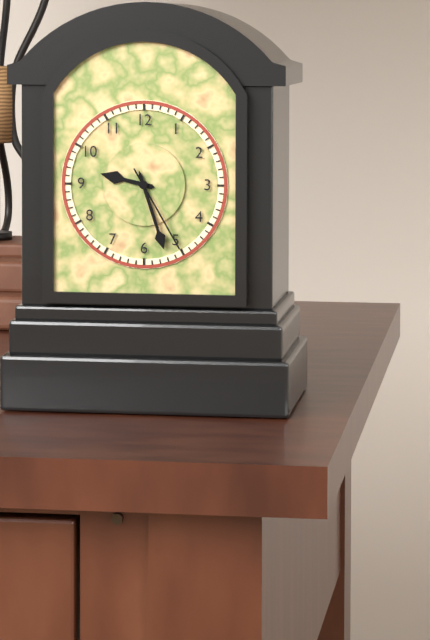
9,27,25
